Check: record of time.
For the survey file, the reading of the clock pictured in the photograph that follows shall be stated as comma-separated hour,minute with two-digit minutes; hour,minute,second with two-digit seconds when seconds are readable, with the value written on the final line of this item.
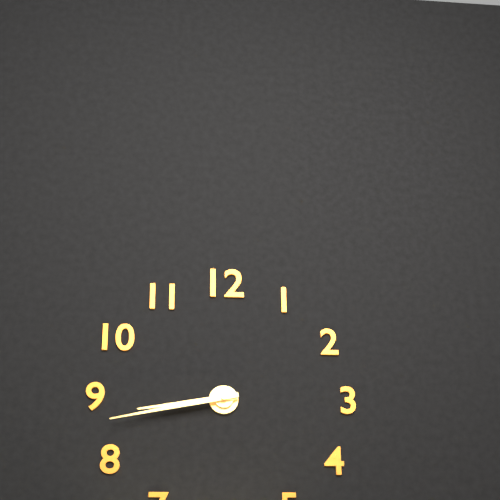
8,43
